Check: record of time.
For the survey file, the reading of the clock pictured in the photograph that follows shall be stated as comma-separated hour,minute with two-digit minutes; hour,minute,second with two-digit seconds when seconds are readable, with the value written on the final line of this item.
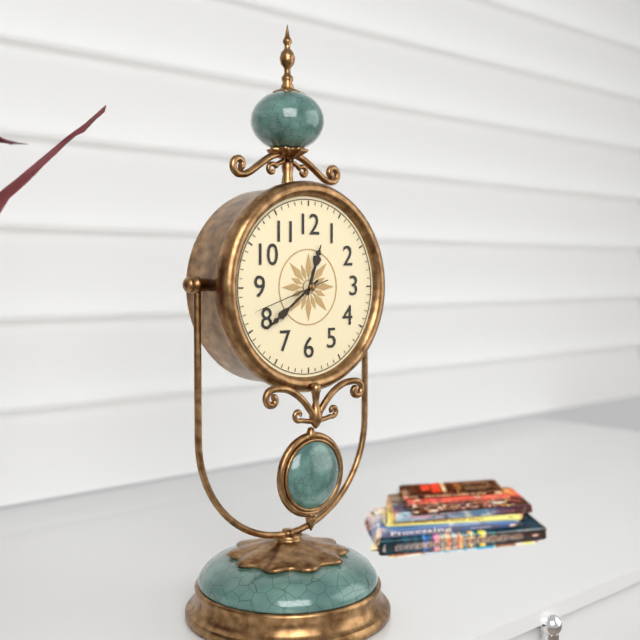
12,39,42
